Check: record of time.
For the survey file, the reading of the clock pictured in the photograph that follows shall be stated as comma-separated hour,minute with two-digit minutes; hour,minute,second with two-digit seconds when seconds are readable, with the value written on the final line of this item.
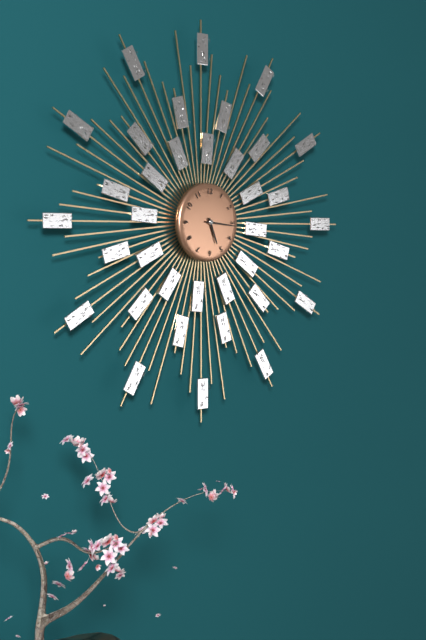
5,16
